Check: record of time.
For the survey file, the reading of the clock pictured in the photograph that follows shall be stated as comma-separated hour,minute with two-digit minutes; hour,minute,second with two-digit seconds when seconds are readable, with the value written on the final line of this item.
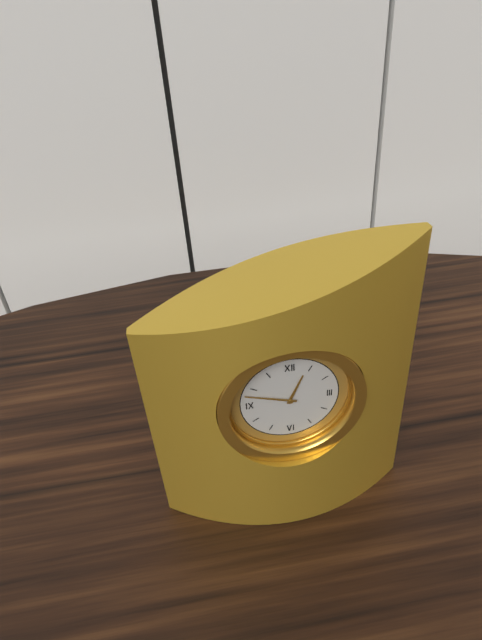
12,48
